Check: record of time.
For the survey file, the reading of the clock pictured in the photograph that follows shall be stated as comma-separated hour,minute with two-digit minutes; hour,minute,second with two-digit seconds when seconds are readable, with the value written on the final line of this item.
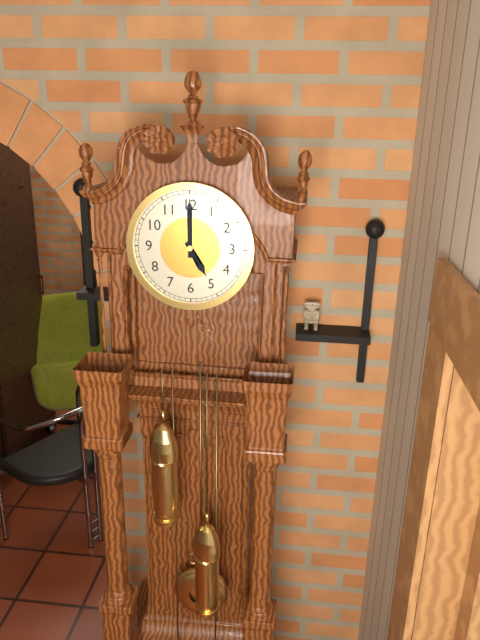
5,00
